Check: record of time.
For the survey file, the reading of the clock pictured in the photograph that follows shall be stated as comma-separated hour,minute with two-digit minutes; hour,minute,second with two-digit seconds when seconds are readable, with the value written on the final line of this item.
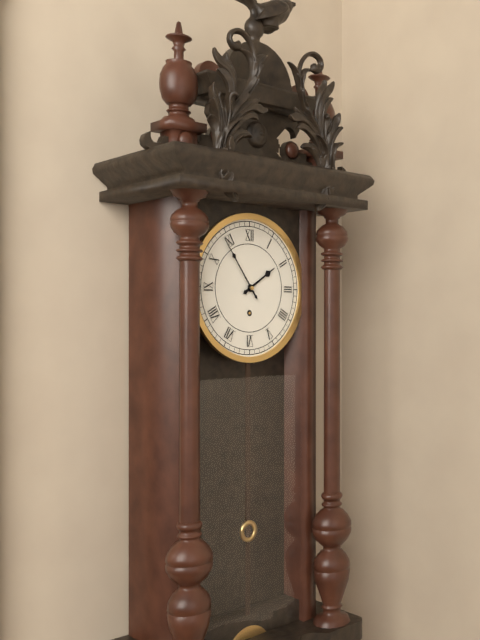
1,54
